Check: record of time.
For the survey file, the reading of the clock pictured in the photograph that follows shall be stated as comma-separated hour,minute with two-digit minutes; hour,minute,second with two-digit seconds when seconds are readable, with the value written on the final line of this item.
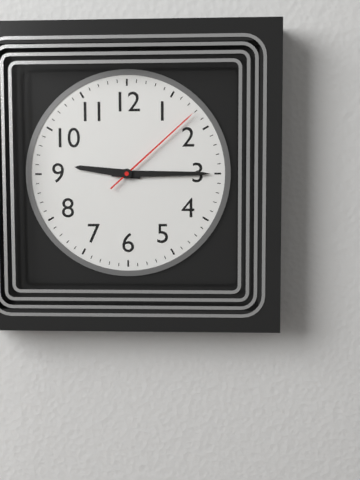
9,15,08
